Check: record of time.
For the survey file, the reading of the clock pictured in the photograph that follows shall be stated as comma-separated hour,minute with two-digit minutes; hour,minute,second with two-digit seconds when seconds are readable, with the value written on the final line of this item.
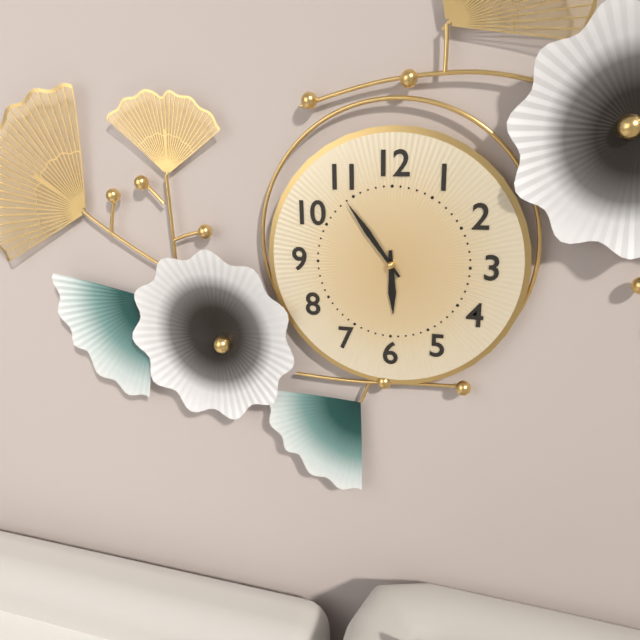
5,54
